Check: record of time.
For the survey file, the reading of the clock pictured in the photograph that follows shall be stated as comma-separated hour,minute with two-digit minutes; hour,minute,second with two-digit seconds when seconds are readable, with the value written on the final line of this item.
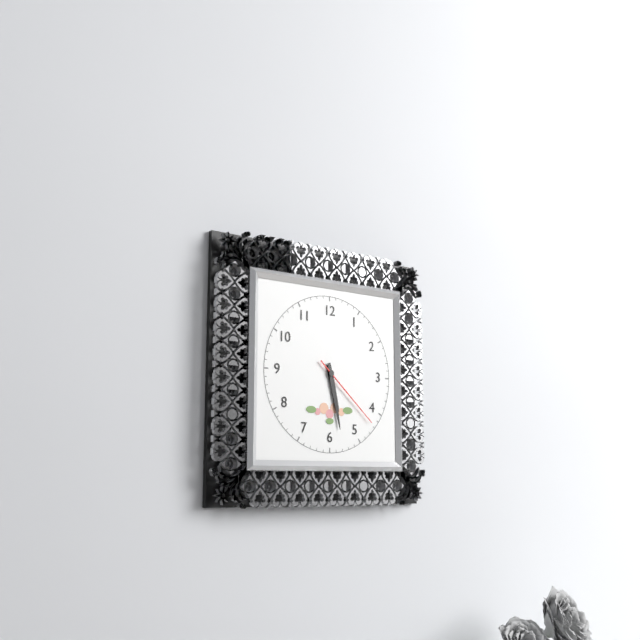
5,28,22
